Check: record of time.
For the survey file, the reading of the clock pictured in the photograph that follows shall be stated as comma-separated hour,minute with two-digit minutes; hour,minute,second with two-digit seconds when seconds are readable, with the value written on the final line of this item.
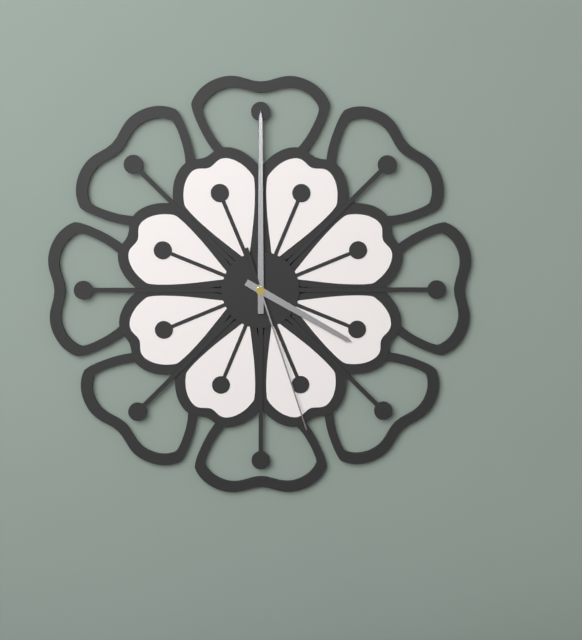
4,00,27
